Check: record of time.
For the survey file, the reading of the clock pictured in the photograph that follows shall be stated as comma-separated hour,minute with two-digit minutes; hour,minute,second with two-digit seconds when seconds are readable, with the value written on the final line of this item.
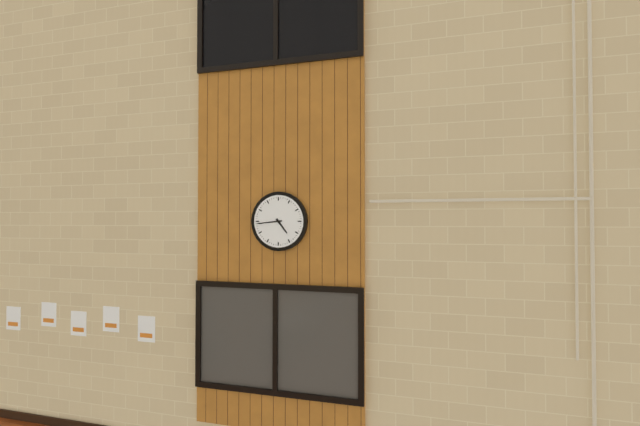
4,44
